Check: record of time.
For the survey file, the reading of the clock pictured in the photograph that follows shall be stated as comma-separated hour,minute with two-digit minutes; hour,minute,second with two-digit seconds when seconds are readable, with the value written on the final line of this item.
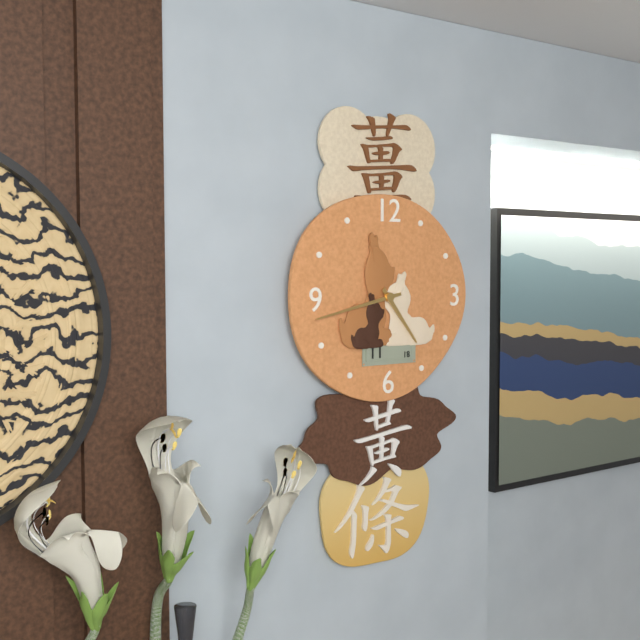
4,43
